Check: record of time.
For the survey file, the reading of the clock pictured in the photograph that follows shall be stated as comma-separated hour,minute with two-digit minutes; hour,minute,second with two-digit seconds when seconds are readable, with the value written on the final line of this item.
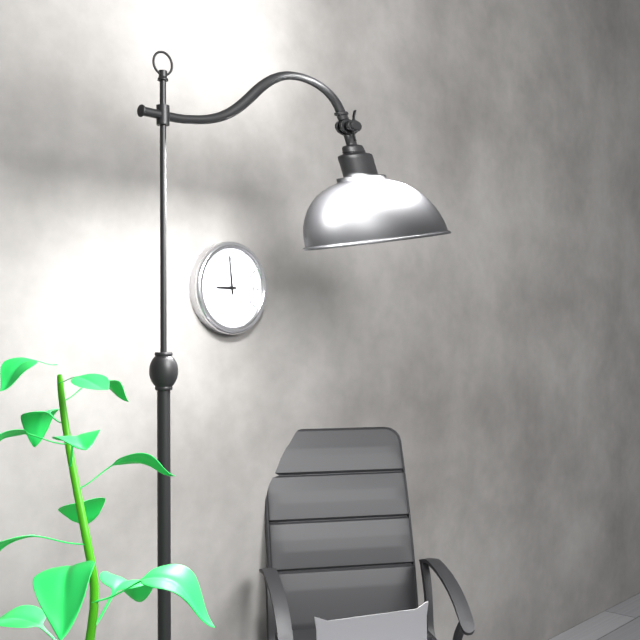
8,59
